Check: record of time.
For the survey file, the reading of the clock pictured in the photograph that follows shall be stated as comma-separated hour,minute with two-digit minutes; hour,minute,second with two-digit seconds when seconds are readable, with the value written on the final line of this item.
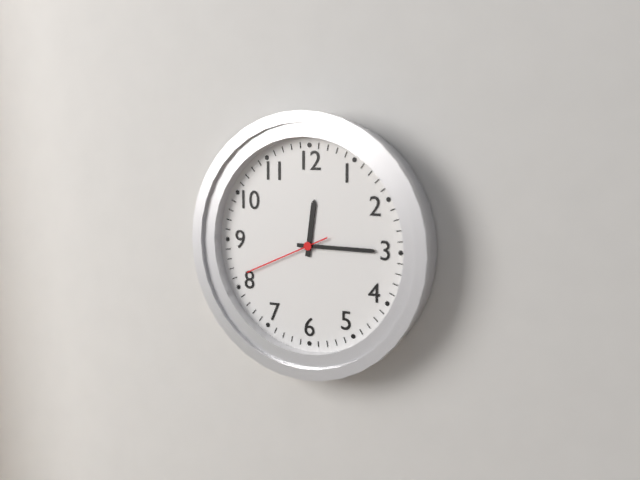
12,15,41
